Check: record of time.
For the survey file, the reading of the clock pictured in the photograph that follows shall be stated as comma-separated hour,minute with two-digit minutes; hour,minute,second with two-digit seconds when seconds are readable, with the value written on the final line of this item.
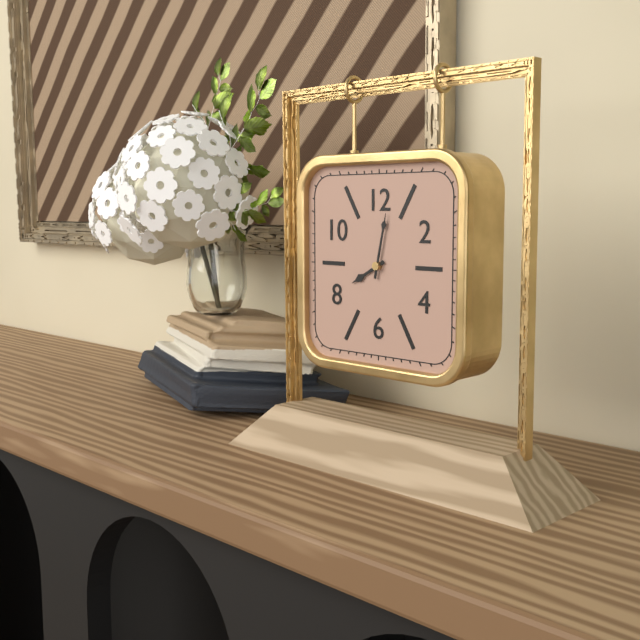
8,02
